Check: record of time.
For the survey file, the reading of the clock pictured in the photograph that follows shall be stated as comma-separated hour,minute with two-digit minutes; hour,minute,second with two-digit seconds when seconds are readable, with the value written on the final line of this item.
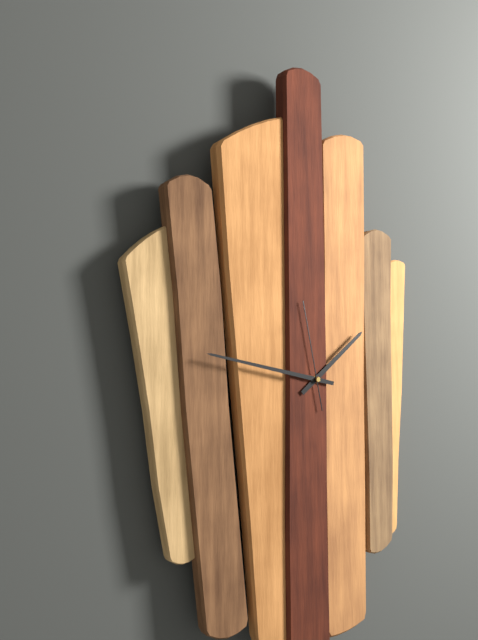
1,47,58
